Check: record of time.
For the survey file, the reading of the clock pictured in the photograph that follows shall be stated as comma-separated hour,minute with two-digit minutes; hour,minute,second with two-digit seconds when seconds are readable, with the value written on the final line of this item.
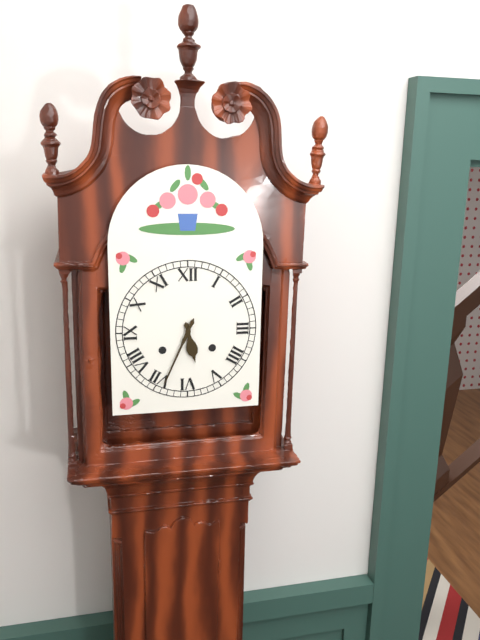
5,34
